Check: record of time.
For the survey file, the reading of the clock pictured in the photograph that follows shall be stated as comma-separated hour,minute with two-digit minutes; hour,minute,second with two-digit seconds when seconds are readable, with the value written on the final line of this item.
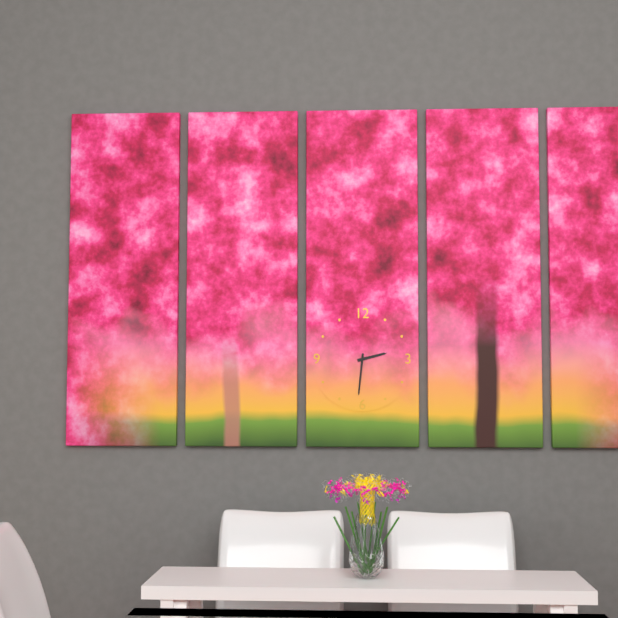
2,31
